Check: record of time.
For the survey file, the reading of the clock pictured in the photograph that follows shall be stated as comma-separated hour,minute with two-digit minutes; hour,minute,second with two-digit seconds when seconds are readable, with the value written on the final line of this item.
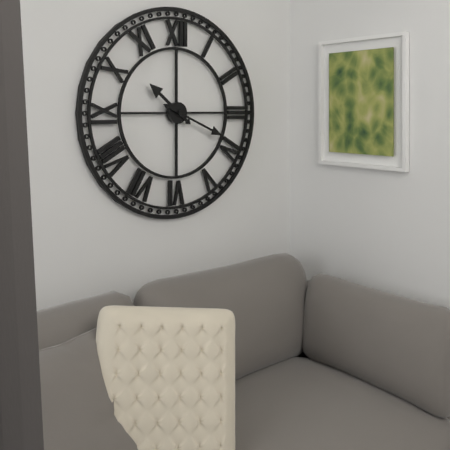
10,19
